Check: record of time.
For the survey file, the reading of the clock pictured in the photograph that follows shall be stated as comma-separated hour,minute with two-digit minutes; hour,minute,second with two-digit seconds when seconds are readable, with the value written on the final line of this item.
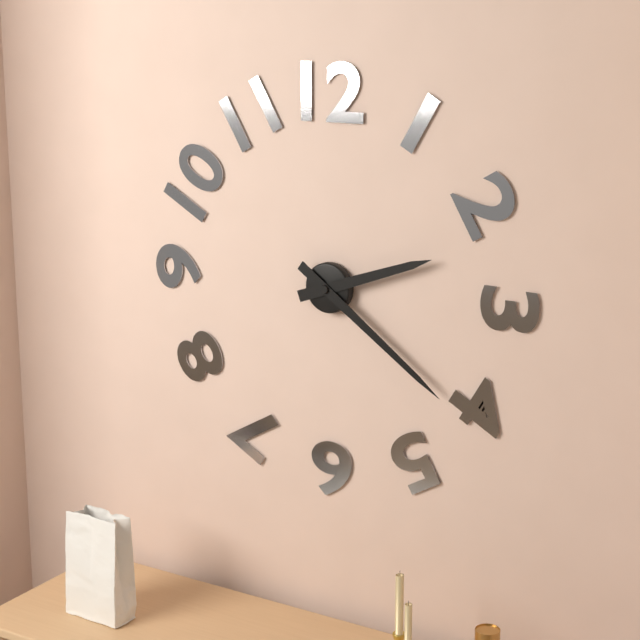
2,21
